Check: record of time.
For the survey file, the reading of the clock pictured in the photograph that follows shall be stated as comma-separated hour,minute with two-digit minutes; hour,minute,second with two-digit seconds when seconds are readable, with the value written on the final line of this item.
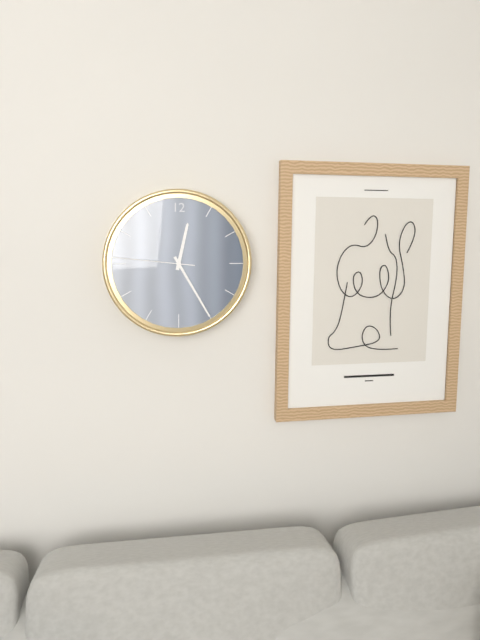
12,25,46
